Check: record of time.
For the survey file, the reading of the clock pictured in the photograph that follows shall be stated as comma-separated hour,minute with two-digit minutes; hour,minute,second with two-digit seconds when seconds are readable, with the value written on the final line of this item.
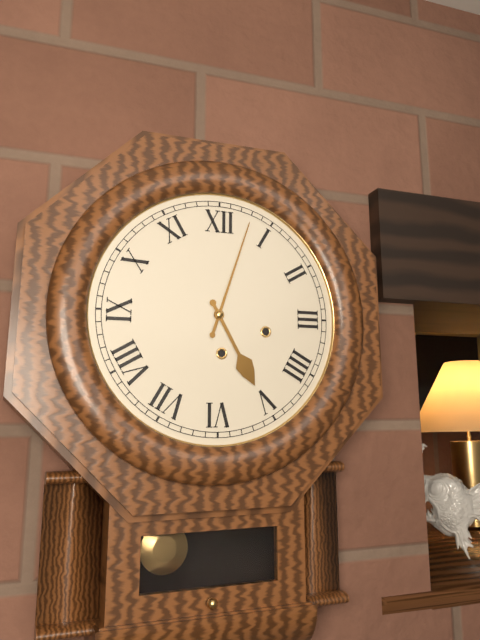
5,03
